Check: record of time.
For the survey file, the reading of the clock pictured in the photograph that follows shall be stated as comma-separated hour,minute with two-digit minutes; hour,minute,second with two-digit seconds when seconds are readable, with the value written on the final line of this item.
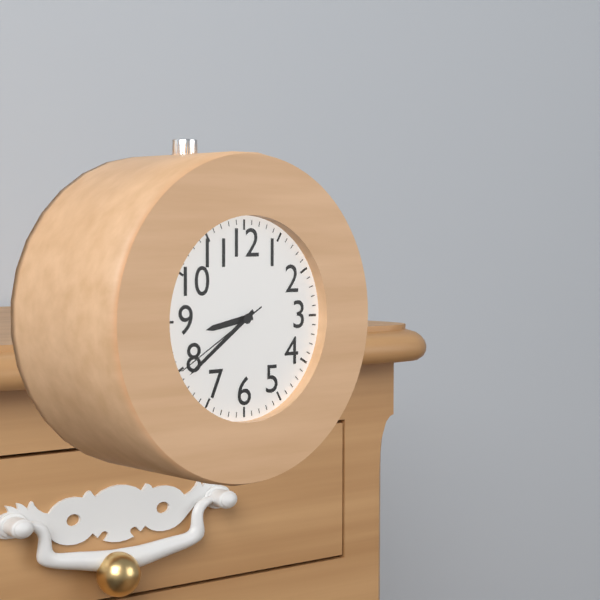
8,39,40
